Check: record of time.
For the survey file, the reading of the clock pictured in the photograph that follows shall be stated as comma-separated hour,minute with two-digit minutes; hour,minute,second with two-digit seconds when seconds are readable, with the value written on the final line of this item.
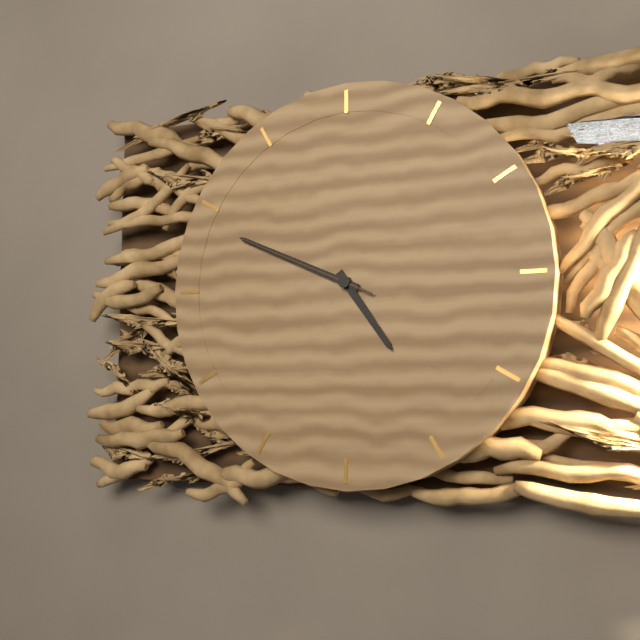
4,49,49
